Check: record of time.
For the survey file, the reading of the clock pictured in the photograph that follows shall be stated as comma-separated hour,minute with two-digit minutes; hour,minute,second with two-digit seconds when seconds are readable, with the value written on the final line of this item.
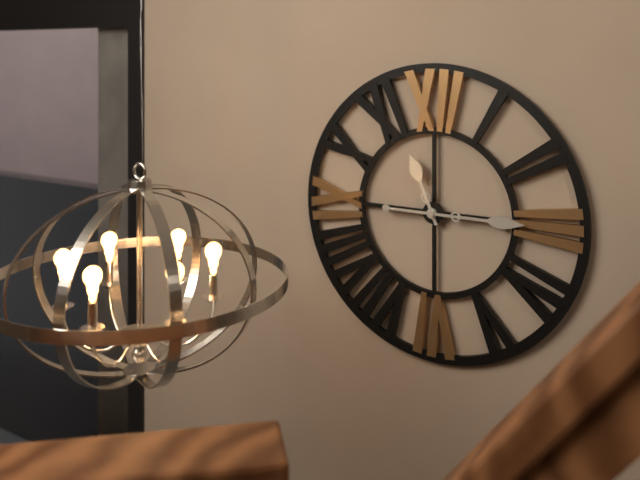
11,15
